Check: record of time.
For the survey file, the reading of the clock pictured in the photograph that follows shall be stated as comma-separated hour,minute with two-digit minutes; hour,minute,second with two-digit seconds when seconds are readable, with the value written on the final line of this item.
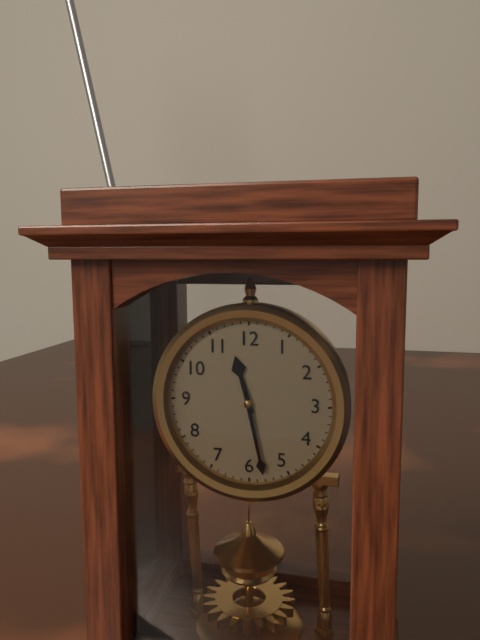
11,28
